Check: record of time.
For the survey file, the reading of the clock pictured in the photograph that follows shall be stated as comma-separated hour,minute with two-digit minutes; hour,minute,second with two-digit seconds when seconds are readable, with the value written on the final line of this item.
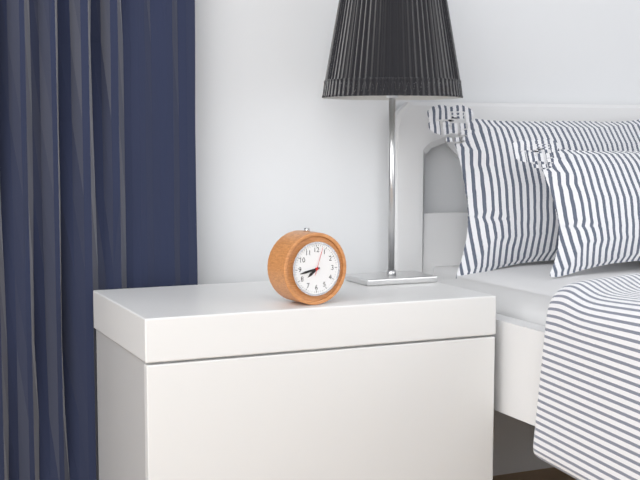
7,43
